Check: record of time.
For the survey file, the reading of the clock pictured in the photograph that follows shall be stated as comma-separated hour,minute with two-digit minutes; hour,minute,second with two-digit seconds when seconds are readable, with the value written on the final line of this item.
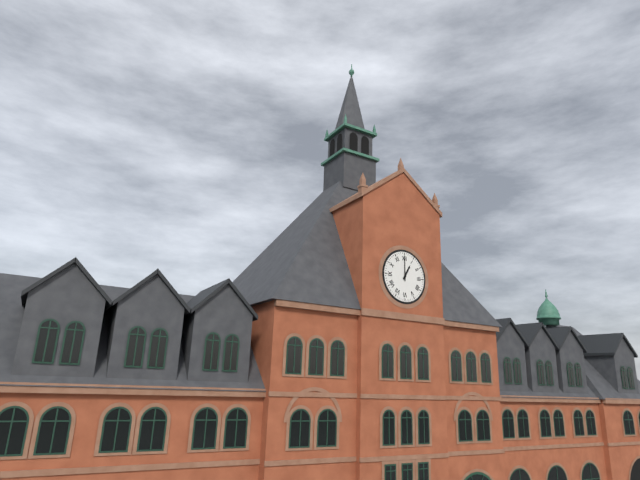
1,00
